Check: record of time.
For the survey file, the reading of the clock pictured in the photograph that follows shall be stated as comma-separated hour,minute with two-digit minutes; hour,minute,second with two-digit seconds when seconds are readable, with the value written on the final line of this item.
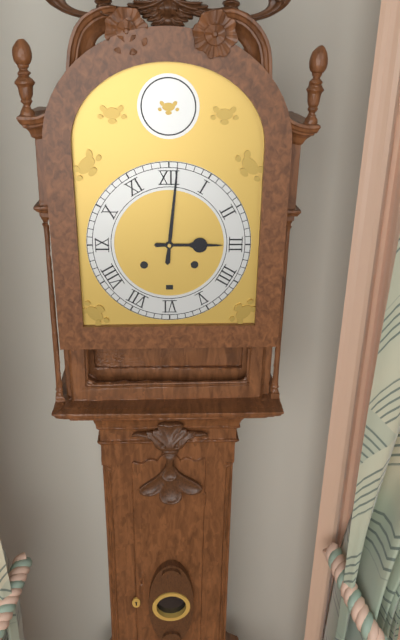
3,01
